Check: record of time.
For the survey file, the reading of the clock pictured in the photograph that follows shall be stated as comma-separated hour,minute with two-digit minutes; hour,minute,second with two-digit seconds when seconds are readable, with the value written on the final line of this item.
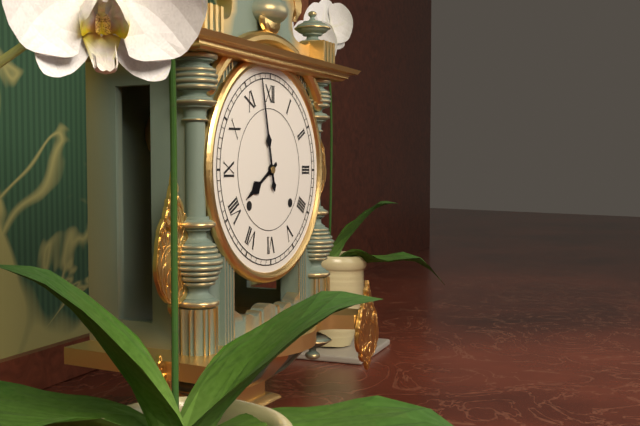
7,58
